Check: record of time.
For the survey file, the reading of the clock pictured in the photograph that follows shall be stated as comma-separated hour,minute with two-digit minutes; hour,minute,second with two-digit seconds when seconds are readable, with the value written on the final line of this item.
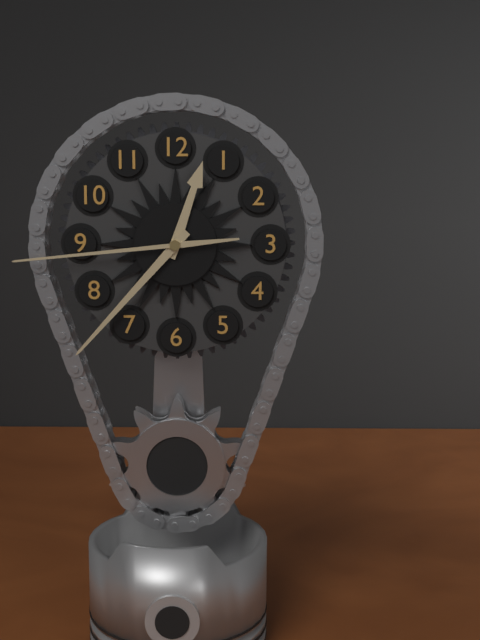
12,37,44
